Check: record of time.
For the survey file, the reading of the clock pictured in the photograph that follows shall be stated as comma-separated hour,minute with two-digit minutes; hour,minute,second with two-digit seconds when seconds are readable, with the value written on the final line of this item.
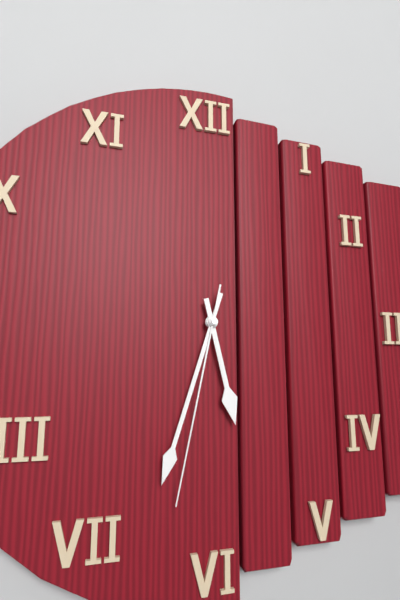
5,33,32
